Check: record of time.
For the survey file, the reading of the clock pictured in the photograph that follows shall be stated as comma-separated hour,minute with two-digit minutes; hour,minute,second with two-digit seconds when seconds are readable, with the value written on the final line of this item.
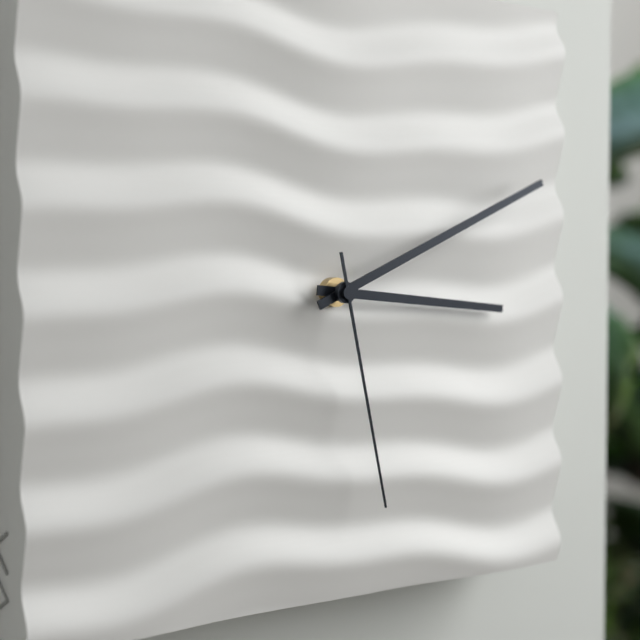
3,11,28
